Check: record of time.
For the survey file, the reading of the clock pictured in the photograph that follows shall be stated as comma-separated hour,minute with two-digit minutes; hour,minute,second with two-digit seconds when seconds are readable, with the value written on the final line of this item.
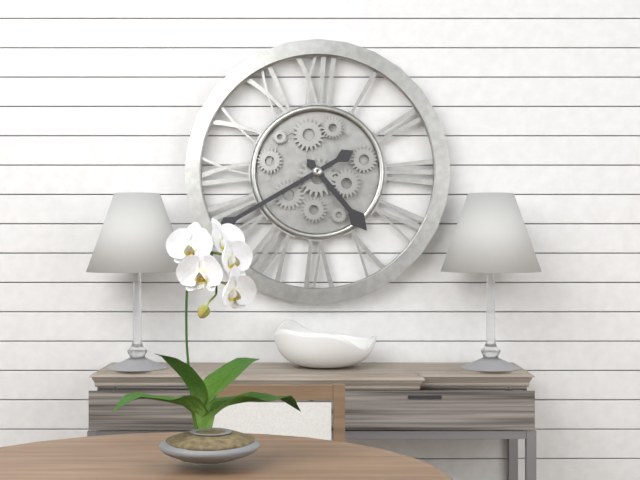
4,40
